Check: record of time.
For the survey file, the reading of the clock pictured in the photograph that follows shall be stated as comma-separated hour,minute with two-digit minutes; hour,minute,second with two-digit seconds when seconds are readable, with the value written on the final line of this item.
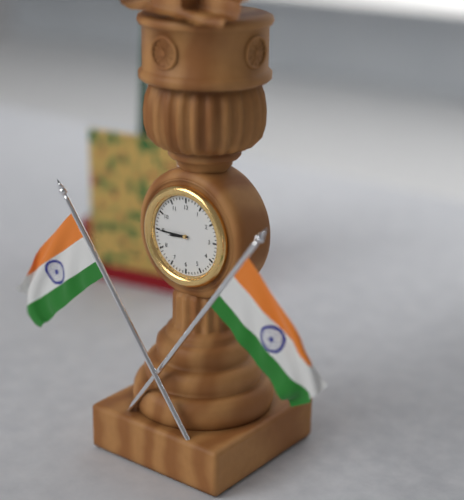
8,45
